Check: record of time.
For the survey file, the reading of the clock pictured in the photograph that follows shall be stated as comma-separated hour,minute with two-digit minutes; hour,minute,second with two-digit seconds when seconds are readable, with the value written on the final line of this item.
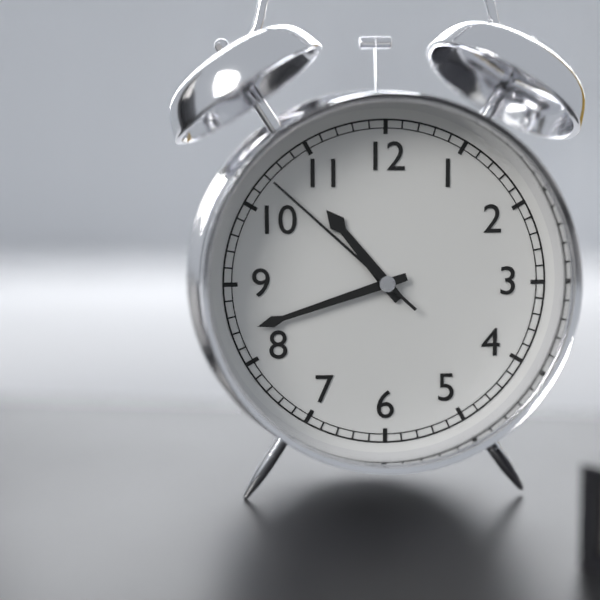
10,42,52
